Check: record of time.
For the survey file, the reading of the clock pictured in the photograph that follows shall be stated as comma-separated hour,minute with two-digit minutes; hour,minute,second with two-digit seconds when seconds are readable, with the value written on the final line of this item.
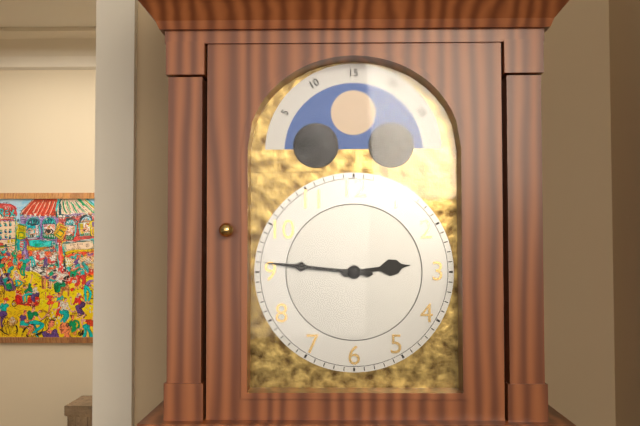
2,46
